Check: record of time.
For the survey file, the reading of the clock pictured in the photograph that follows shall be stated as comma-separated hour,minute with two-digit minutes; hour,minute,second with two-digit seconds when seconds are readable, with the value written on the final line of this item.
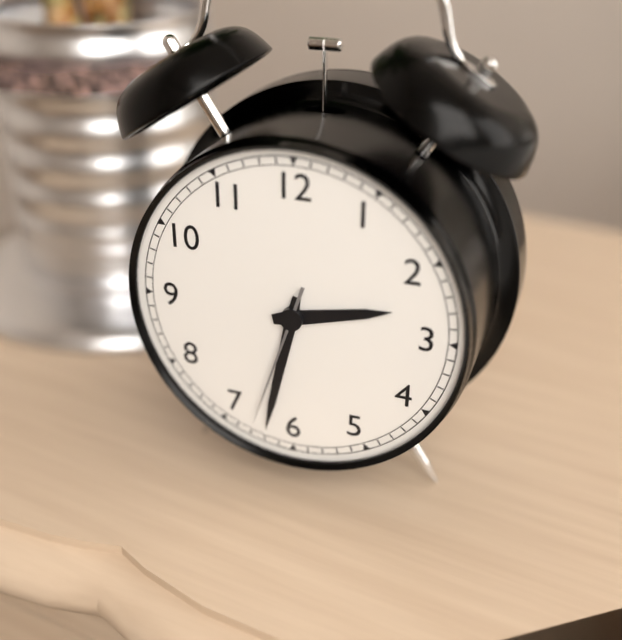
2,32,33
